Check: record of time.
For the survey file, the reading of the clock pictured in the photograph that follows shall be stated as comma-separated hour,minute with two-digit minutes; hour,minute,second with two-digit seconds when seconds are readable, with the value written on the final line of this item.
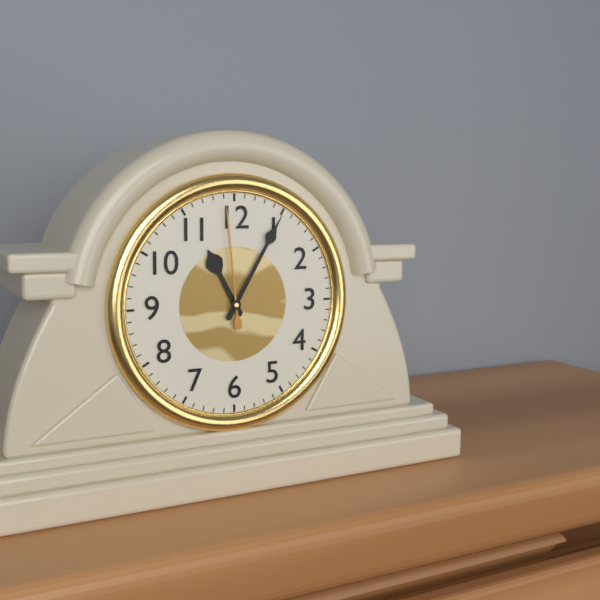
11,05,59
